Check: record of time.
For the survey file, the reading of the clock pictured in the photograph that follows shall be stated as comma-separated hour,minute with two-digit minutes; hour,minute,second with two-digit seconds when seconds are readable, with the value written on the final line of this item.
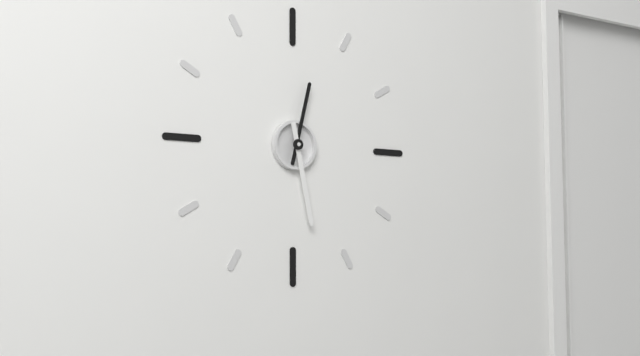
12,28
